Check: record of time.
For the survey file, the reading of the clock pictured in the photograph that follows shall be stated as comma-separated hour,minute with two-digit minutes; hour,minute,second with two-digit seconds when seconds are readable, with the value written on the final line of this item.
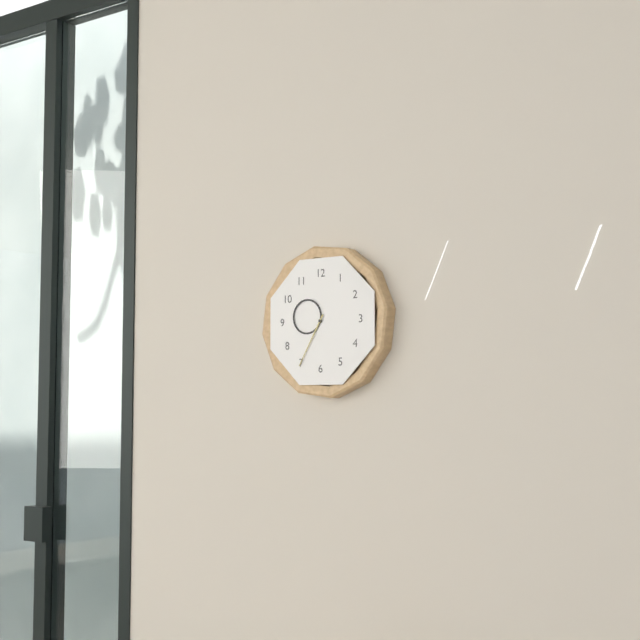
9,35
